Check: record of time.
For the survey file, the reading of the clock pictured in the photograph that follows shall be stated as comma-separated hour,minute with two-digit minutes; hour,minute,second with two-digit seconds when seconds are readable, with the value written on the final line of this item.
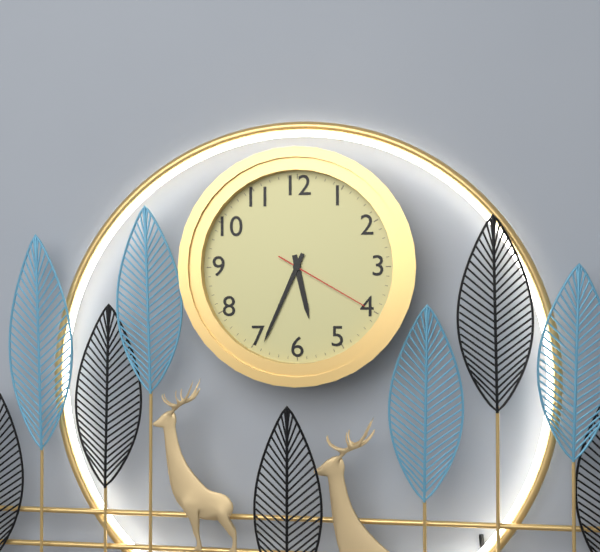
5,34,20
